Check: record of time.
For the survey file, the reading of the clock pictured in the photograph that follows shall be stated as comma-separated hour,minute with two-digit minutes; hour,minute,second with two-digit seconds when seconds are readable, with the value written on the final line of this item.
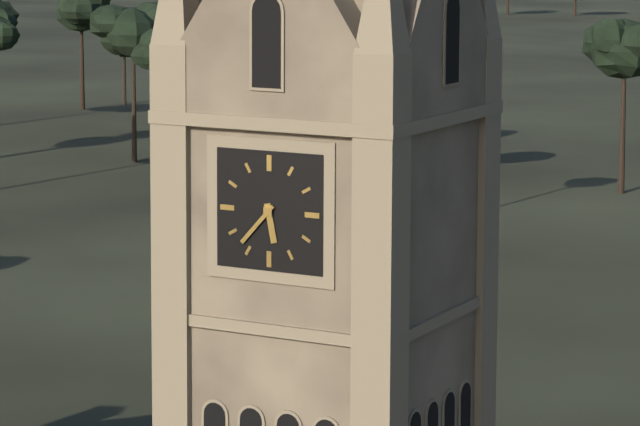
5,37
